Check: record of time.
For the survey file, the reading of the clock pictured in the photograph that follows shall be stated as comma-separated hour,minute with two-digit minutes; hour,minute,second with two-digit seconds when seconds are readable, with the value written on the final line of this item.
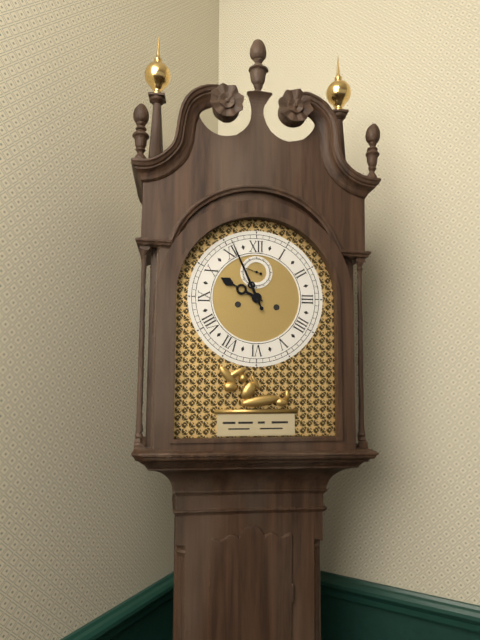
9,56
